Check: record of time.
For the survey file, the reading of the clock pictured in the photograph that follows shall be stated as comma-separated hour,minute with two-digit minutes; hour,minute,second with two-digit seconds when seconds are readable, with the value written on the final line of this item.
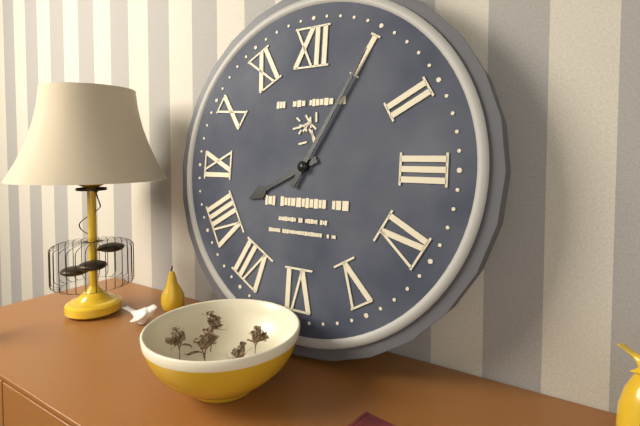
8,05
